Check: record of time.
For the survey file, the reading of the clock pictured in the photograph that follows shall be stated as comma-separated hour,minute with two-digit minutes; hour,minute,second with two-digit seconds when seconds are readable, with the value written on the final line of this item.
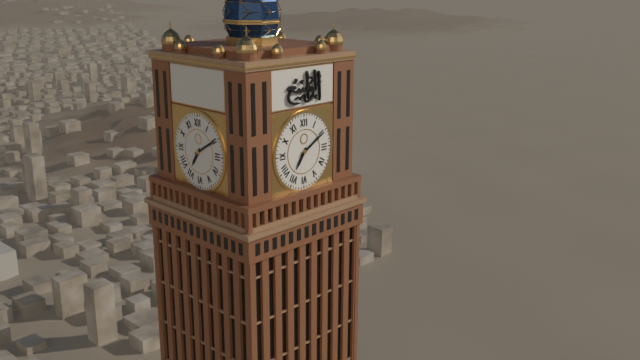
7,10
